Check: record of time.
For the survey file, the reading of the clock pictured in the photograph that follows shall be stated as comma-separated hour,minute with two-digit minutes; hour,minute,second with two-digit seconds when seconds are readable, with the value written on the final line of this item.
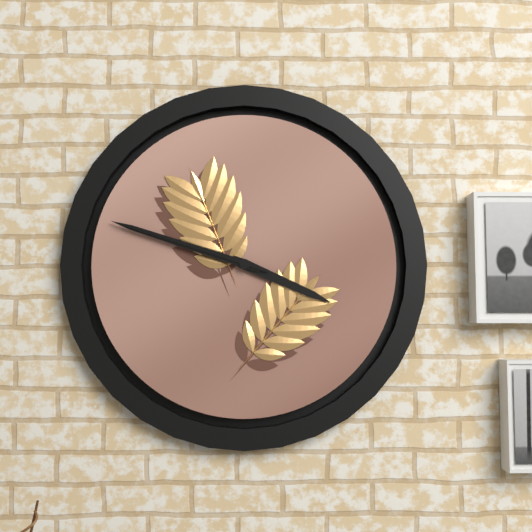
3,48,48
